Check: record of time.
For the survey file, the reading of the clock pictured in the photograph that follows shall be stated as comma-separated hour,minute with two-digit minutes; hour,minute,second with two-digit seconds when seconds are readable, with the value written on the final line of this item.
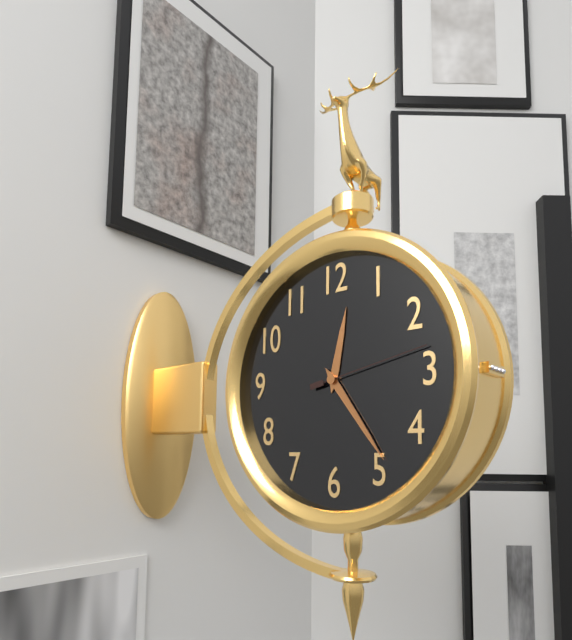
12,24,13
